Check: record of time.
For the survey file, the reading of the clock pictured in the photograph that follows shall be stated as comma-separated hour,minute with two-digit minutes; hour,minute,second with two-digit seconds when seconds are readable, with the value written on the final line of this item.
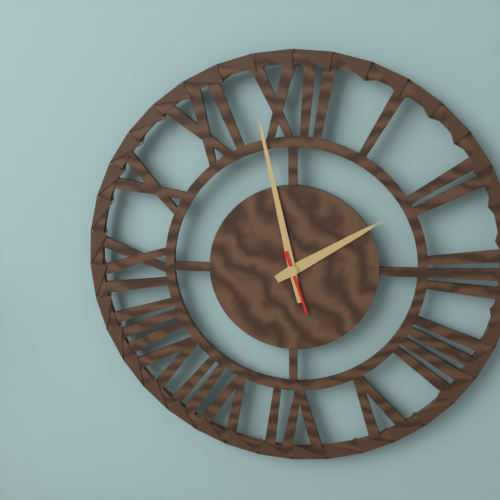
1,58,27
